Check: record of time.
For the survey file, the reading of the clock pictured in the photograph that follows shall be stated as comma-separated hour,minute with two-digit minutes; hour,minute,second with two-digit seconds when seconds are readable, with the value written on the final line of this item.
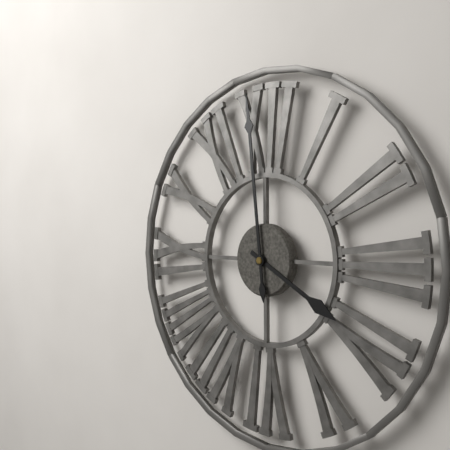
3,59
